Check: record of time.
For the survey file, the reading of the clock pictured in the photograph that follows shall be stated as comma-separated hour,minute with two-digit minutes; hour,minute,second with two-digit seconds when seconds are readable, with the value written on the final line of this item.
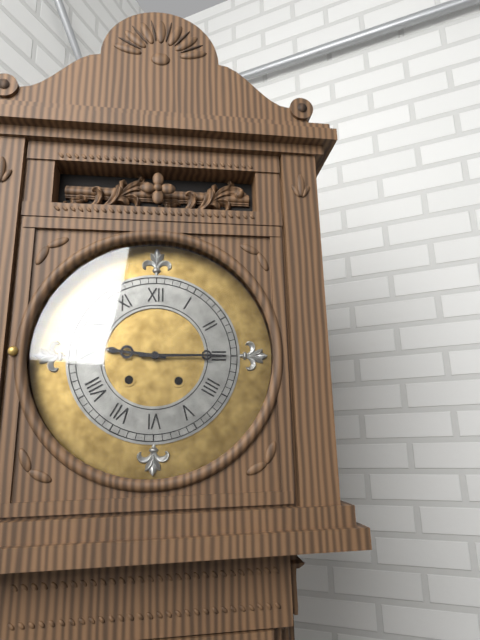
9,15
